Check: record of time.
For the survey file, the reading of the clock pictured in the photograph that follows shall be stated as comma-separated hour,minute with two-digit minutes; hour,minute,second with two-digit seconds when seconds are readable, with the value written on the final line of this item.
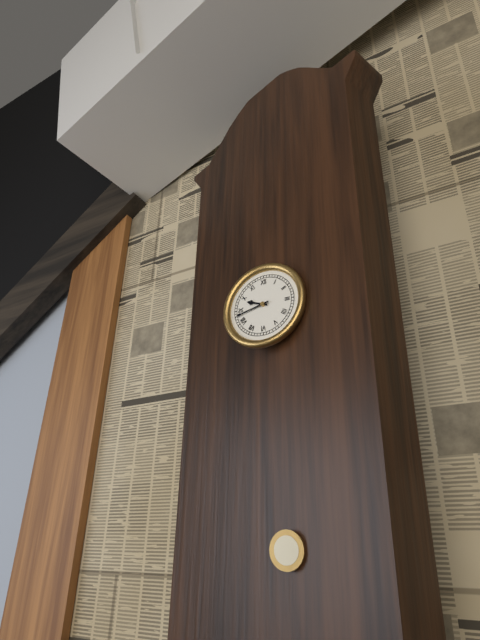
9,43
